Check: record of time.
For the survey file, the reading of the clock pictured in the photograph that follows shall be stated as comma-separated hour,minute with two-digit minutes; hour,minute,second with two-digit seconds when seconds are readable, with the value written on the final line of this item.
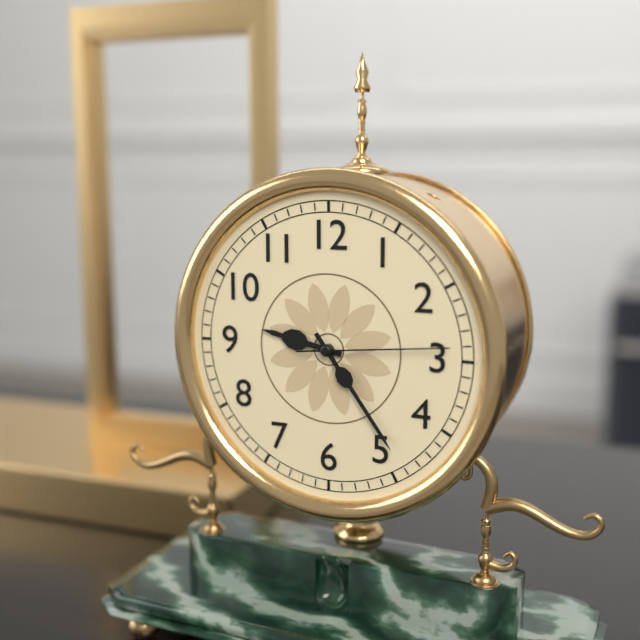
9,24,14
